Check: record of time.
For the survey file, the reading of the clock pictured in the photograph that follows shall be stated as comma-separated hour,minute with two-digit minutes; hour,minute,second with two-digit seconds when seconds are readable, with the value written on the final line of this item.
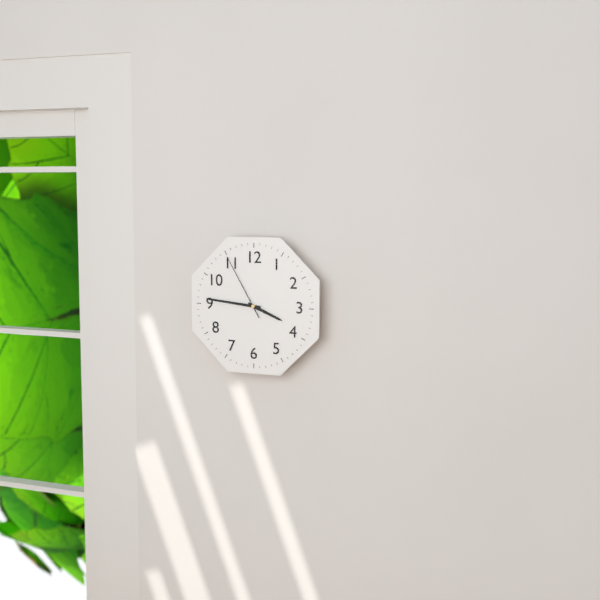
3,46,55
